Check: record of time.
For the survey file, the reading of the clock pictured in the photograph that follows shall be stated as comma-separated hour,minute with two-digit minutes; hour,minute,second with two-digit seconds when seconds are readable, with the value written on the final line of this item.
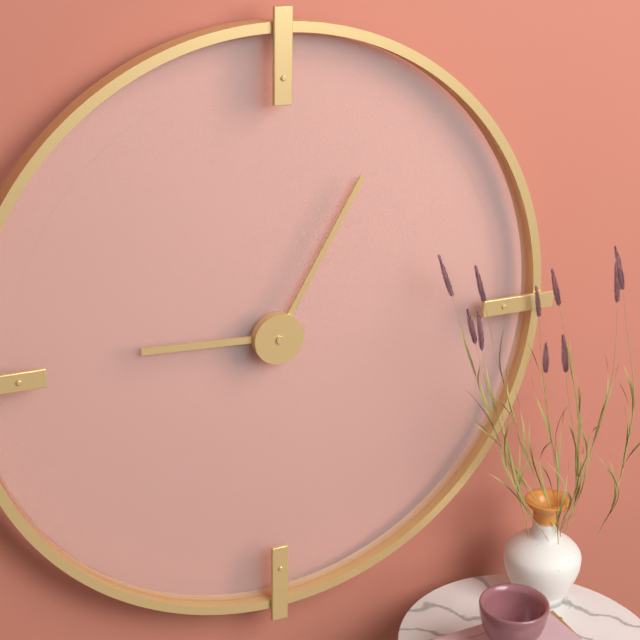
9,05
